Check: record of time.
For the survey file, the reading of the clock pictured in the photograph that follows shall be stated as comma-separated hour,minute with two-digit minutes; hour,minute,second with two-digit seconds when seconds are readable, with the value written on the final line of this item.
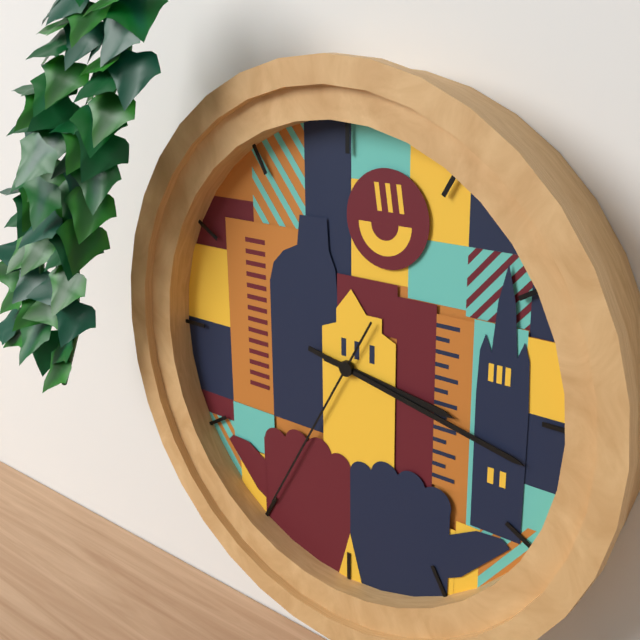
3,17,35
